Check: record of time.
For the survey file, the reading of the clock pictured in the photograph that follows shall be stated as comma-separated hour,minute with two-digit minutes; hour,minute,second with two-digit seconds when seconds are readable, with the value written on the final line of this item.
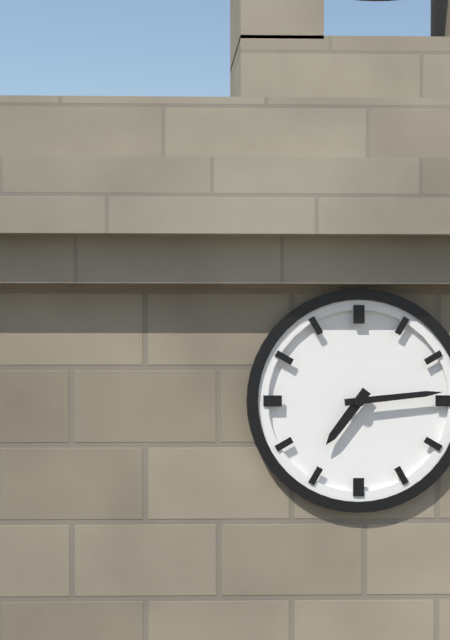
7,14
